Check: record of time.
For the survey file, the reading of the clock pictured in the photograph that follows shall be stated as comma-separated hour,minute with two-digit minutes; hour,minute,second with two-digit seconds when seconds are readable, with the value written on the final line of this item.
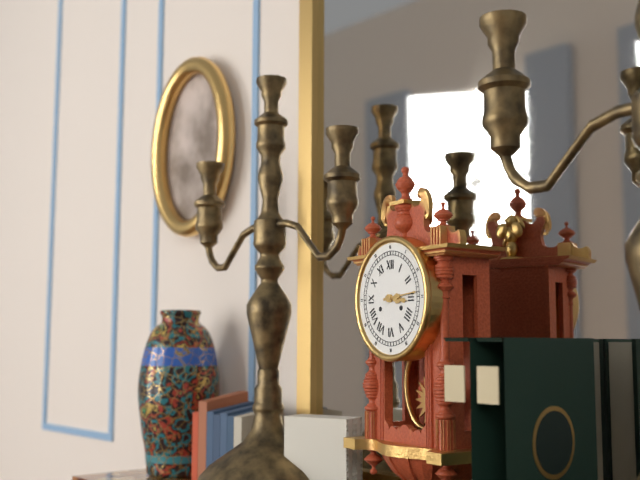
3,14
